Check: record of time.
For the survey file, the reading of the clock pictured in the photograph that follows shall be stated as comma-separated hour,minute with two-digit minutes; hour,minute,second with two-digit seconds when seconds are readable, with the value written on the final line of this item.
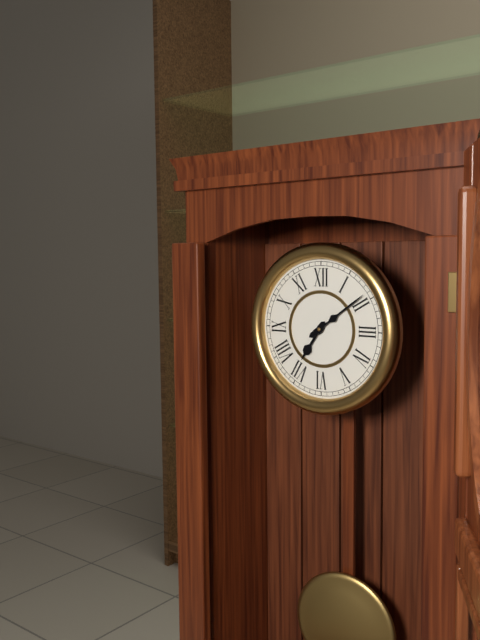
7,09
